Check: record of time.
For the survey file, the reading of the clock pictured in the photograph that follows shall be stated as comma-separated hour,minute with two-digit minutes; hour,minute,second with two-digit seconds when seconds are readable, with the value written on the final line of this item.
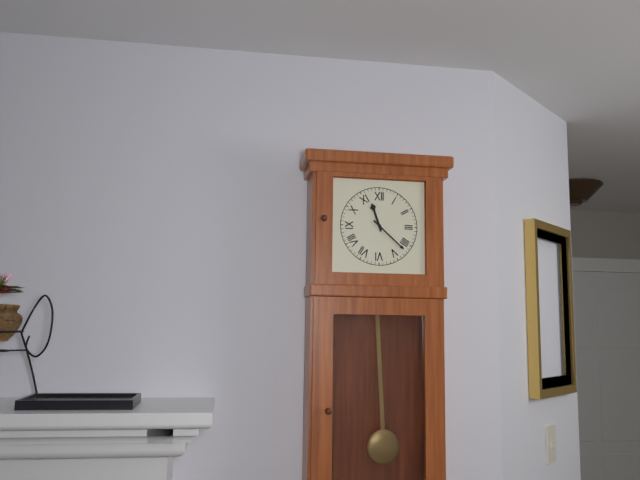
11,22
